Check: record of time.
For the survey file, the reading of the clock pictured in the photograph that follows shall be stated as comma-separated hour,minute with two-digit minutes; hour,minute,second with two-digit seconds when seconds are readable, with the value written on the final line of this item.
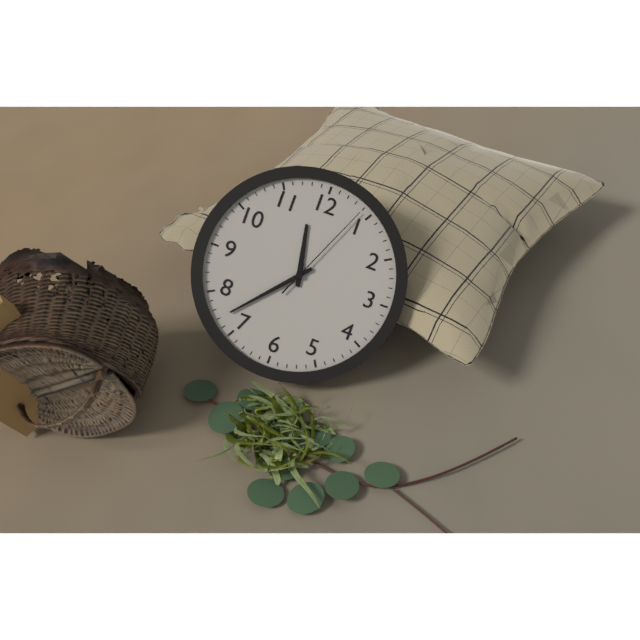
11,37,04
